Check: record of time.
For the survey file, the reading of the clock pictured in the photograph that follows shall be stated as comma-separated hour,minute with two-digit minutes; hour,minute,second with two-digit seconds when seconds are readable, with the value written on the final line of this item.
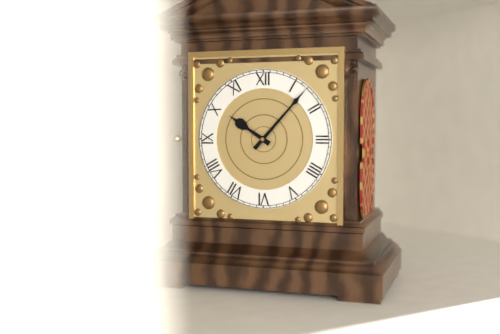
10,07
